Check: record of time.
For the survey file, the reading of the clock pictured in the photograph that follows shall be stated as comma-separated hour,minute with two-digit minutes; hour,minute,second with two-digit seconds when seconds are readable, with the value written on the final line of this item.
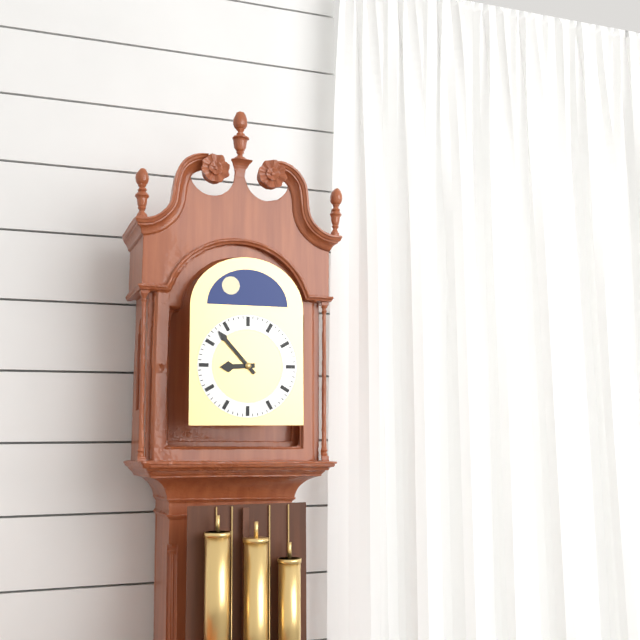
8,53
